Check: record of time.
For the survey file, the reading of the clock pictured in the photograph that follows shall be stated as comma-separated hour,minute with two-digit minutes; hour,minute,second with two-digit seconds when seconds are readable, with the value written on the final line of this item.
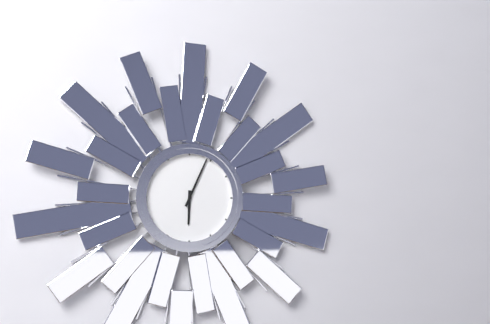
6,04
